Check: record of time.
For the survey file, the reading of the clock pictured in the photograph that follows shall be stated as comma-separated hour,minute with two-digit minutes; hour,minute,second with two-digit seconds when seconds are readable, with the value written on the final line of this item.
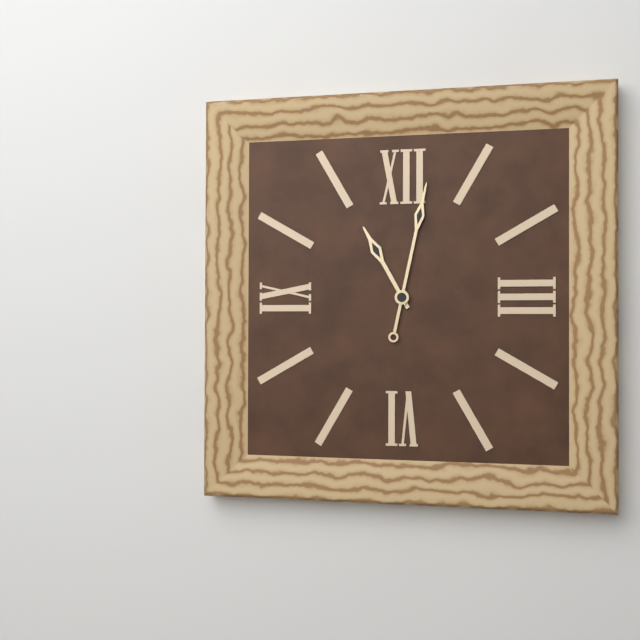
11,02
